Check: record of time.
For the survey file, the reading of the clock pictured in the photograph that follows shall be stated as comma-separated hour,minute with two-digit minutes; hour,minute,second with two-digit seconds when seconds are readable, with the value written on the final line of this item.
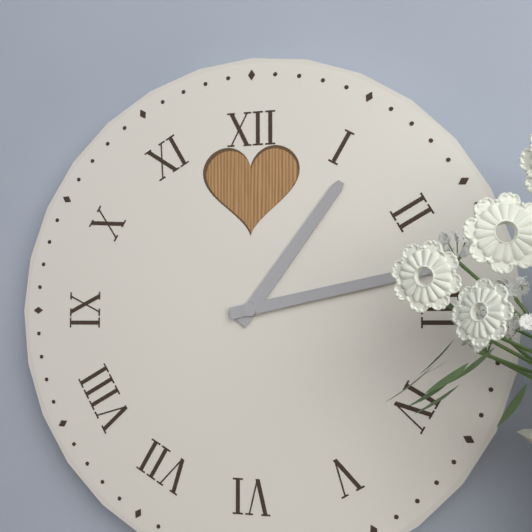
1,13
